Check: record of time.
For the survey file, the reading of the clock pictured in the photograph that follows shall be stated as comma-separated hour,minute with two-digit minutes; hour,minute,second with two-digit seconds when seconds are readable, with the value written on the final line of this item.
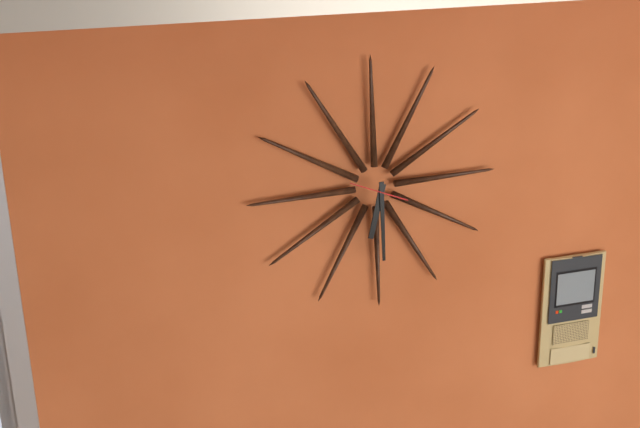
6,30
